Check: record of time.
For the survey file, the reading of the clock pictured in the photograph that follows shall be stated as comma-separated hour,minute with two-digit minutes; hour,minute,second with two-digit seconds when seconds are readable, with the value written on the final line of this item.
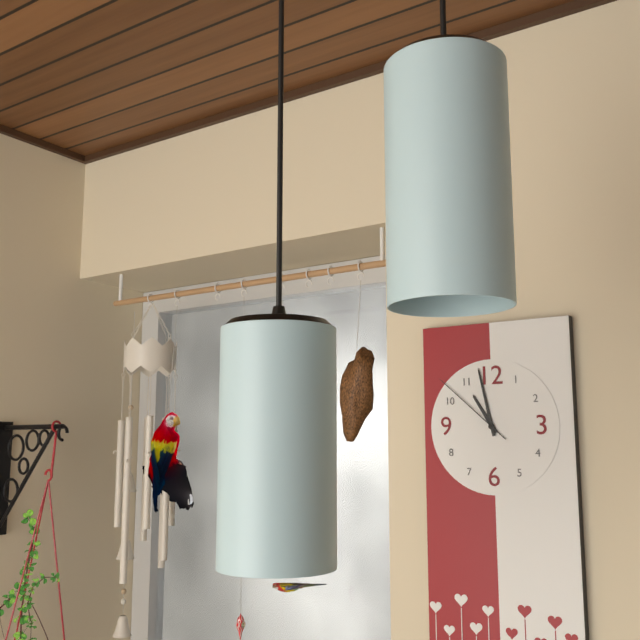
10,58,52
